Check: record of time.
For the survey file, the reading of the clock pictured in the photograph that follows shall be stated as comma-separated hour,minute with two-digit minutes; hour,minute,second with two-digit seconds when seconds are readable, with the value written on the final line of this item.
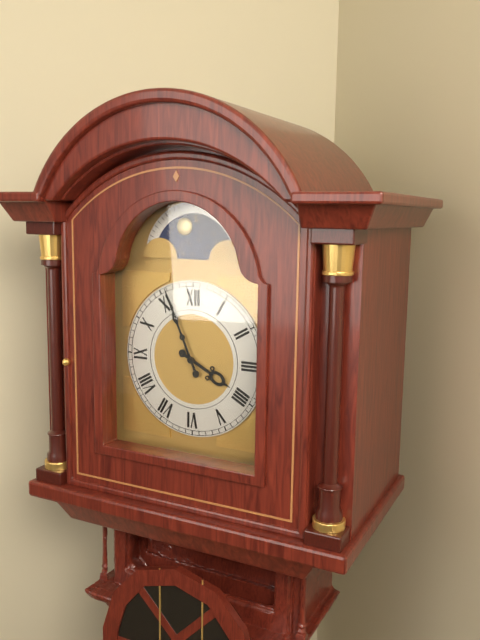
3,56
